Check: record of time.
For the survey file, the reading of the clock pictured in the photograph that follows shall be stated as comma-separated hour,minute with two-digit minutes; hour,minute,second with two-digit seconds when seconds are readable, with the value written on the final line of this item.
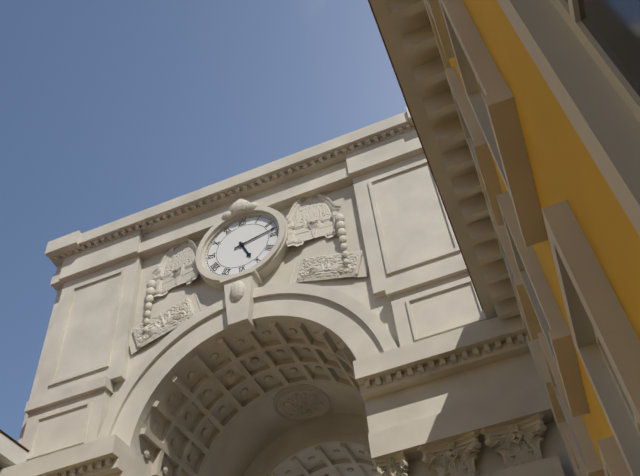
5,13
